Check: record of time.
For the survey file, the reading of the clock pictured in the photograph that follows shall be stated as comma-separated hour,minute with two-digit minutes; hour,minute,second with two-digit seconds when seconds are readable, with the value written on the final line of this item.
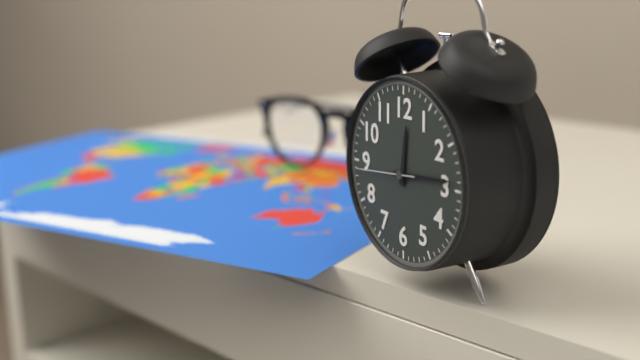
12,14,44
